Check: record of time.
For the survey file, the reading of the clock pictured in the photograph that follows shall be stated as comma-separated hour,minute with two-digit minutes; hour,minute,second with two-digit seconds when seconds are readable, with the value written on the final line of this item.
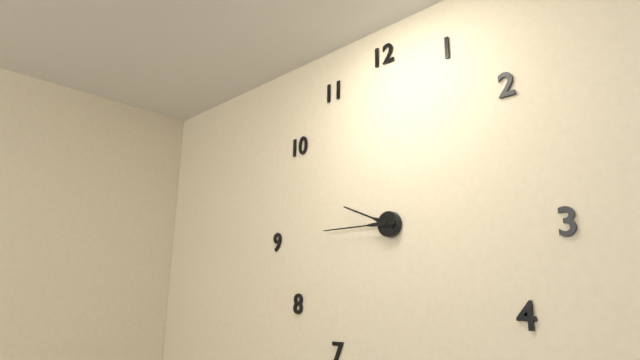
9,45
